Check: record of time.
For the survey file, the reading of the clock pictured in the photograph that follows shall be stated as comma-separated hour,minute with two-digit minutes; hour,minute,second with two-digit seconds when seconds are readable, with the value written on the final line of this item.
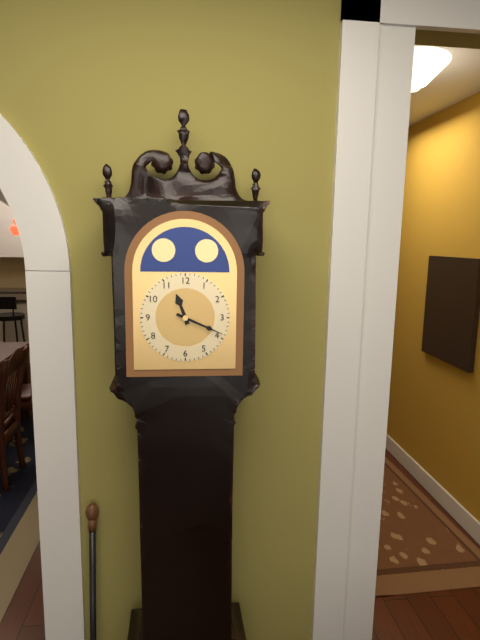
11,19
